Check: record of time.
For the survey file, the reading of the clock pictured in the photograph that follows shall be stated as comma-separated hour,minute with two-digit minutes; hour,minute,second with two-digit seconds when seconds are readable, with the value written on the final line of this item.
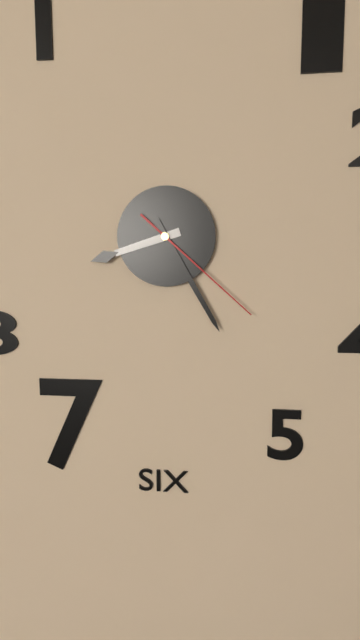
8,25,22
